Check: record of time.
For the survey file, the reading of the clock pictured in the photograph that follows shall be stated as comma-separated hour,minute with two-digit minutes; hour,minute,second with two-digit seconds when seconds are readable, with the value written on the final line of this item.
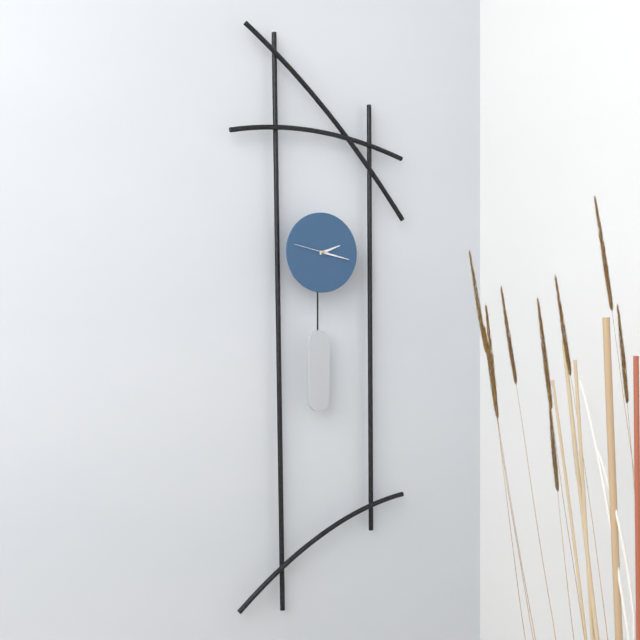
2,17
